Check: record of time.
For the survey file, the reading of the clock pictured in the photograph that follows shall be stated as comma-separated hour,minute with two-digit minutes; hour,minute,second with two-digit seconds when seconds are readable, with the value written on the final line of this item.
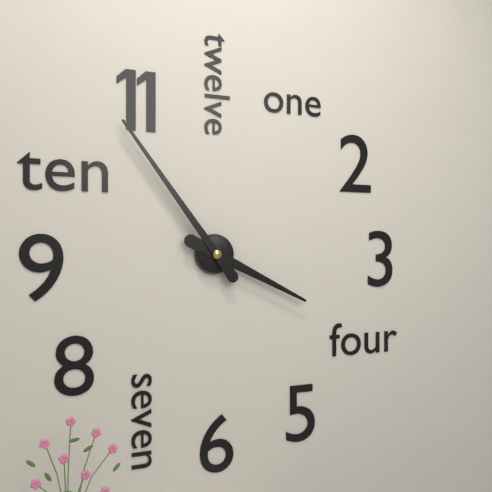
3,54
